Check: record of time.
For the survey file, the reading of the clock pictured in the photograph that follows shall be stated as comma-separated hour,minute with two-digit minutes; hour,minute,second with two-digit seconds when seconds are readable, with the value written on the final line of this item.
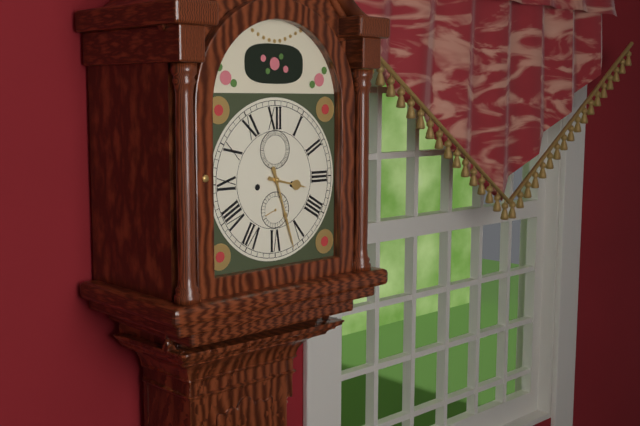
3,27
